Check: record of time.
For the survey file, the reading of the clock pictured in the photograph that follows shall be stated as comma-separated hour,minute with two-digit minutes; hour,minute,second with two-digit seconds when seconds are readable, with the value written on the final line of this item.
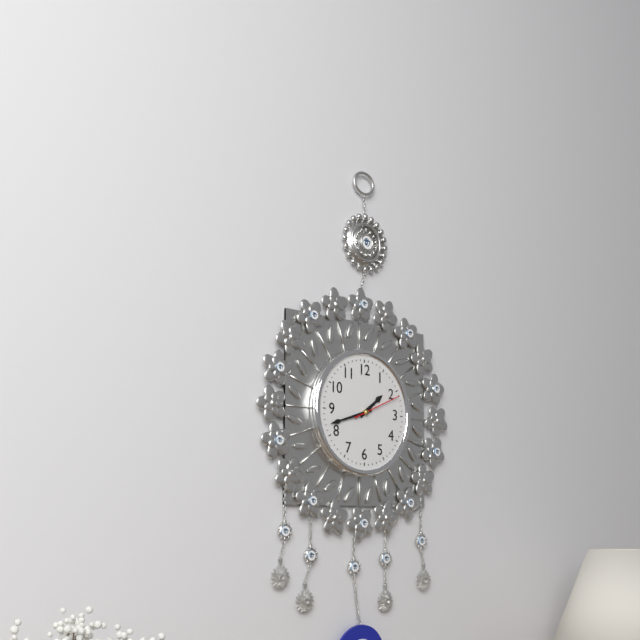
1,42,11
